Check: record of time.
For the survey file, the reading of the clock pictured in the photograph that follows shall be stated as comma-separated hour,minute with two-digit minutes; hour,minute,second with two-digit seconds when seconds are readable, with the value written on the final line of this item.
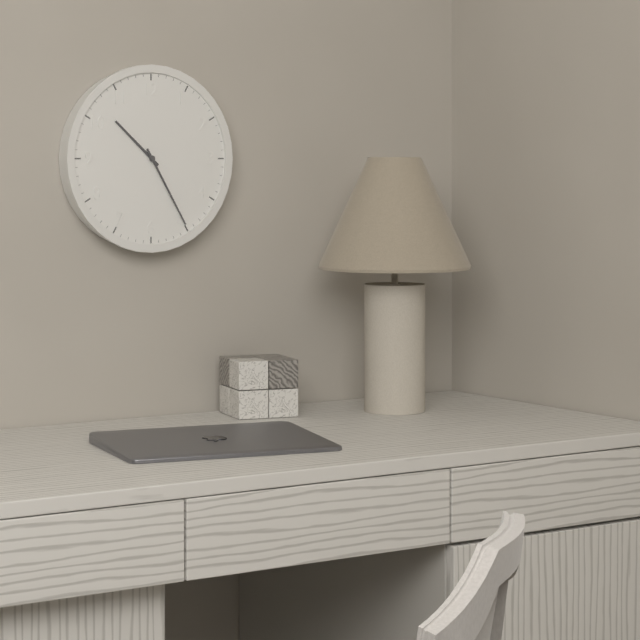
10,25
